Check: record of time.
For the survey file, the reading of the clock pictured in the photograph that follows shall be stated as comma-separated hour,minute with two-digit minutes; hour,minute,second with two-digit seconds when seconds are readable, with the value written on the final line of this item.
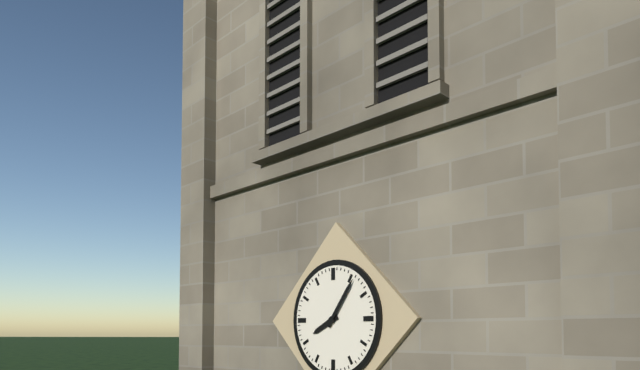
8,06
